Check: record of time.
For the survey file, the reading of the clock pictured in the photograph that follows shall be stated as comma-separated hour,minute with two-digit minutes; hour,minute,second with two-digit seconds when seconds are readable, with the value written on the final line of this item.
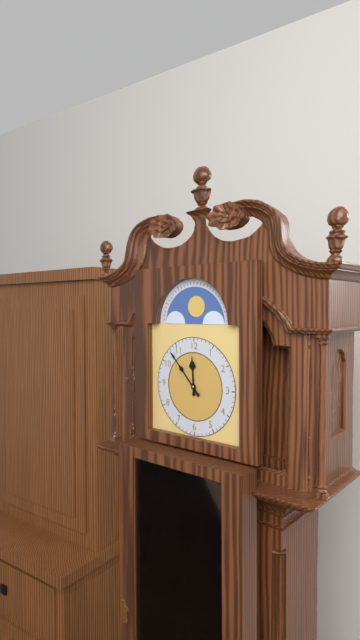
11,53
